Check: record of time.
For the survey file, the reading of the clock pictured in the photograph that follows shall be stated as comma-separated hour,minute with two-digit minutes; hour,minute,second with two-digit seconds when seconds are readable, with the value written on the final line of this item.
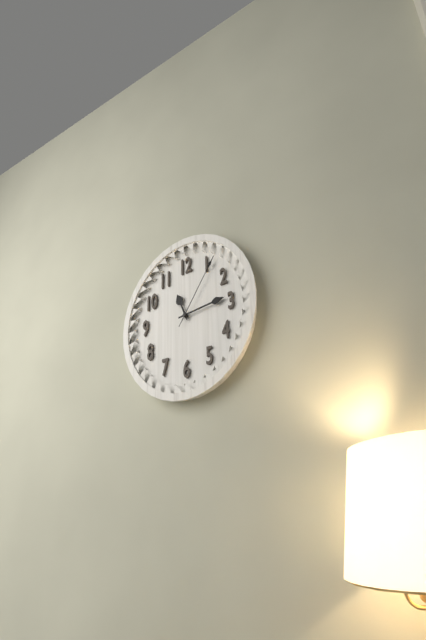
11,14,06
